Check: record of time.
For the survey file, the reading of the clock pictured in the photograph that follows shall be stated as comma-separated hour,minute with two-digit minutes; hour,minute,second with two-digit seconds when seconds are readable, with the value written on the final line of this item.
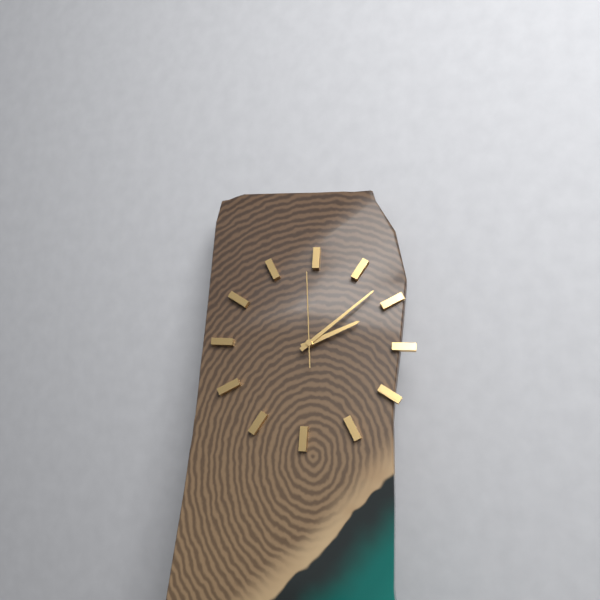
2,08,59
